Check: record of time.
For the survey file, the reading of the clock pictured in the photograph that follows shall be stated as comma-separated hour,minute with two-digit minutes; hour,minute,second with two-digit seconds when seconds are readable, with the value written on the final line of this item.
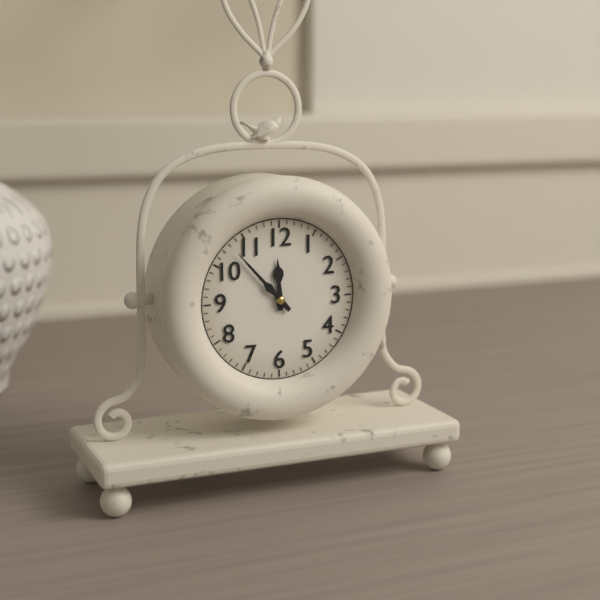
11,53
